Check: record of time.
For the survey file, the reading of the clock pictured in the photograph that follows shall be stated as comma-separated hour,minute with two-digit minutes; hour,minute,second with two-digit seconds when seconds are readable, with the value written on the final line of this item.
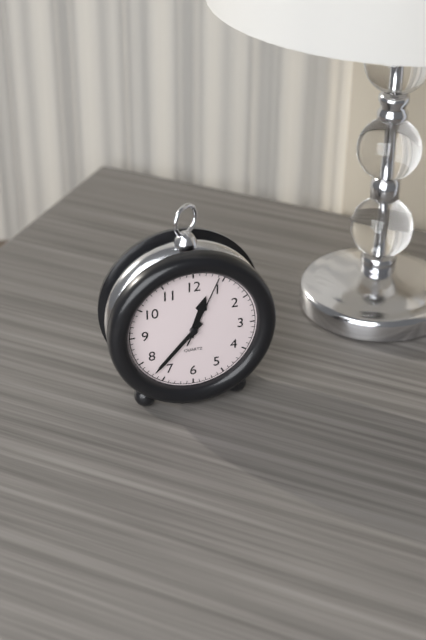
12,37,04
